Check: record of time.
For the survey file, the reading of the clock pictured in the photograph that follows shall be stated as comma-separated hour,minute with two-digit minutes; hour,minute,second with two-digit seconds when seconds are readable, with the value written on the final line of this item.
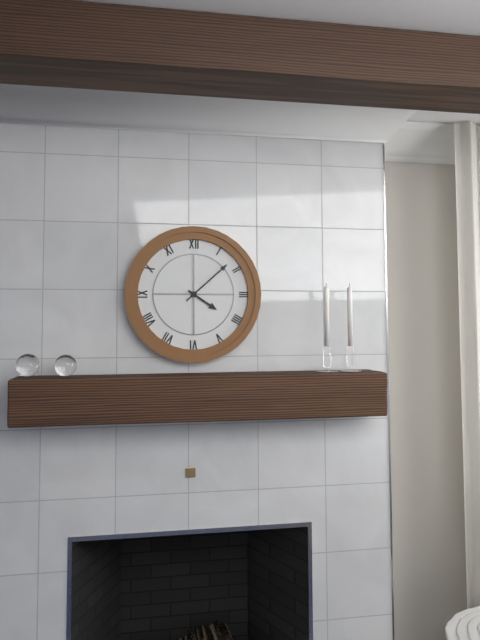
4,08
